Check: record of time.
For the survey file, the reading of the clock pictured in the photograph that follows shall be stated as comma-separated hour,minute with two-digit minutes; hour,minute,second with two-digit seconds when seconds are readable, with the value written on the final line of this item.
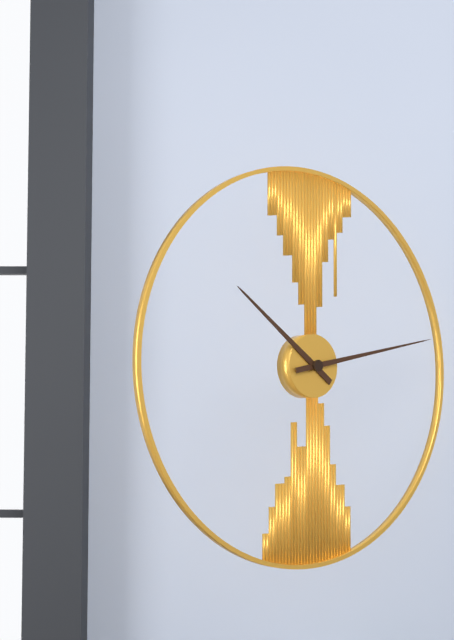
10,13
